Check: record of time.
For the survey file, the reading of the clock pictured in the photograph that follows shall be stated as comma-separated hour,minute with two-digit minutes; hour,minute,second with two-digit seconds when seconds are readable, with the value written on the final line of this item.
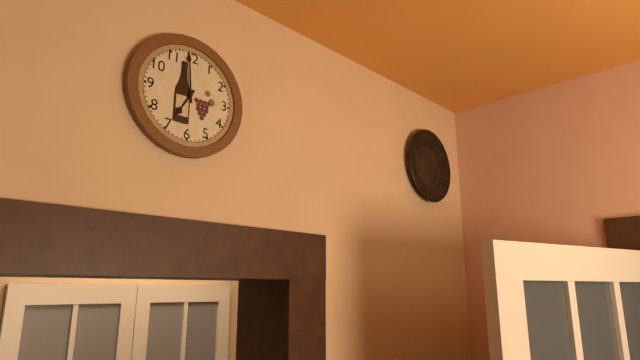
6,59
